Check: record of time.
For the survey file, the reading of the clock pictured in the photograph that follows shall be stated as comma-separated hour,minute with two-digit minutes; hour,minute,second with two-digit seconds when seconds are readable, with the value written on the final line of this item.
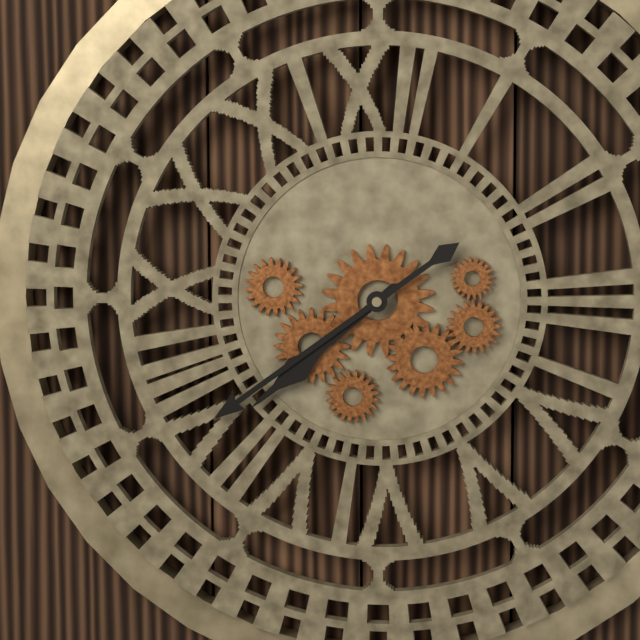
7,39
